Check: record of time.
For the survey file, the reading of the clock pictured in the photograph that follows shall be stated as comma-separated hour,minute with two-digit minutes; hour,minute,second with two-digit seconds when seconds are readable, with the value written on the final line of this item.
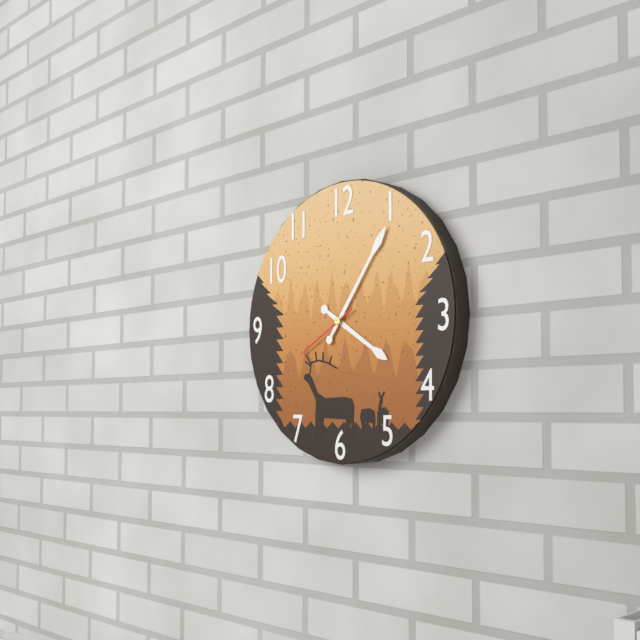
4,06,40
